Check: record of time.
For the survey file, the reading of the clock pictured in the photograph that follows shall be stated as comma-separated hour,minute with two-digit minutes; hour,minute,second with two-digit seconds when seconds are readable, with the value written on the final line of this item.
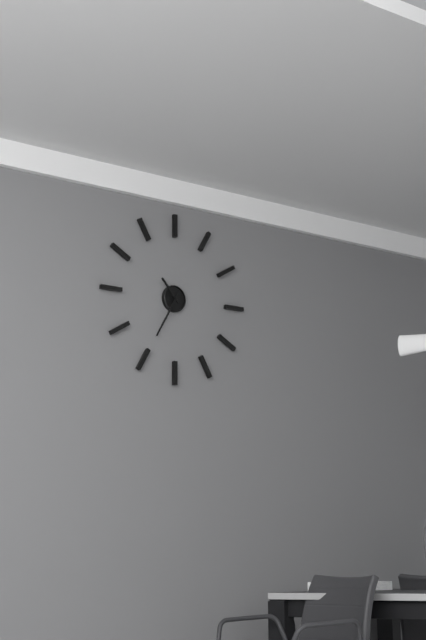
10,35
